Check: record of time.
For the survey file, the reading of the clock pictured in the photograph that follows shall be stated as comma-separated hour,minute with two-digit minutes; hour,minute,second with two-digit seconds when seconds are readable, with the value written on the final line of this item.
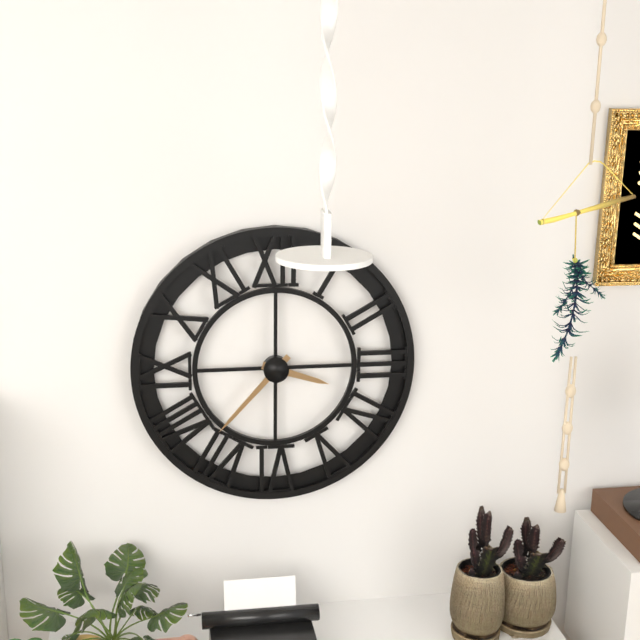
3,37
